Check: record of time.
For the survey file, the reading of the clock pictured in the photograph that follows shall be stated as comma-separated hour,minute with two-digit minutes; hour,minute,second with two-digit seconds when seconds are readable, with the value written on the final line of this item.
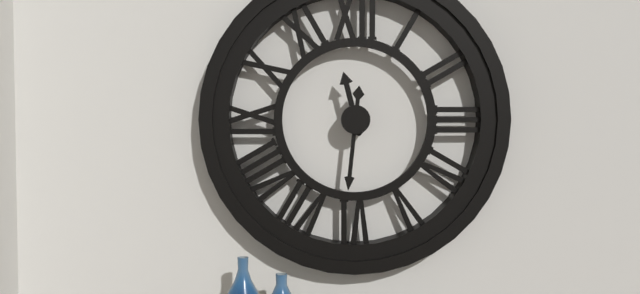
11,31
